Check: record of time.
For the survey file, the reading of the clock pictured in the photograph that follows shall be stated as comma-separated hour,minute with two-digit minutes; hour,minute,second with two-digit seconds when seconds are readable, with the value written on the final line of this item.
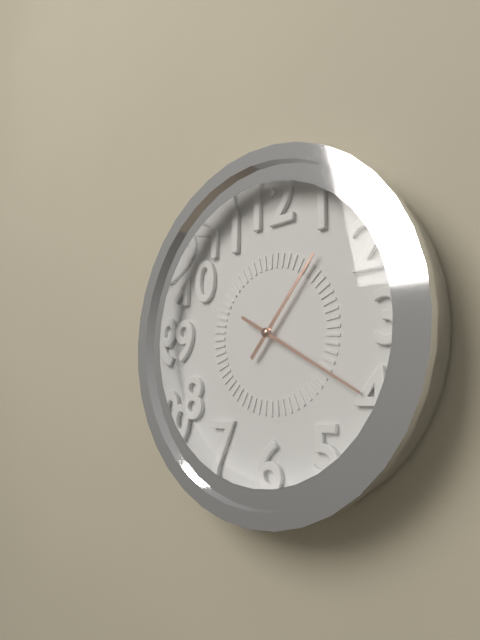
1,20
